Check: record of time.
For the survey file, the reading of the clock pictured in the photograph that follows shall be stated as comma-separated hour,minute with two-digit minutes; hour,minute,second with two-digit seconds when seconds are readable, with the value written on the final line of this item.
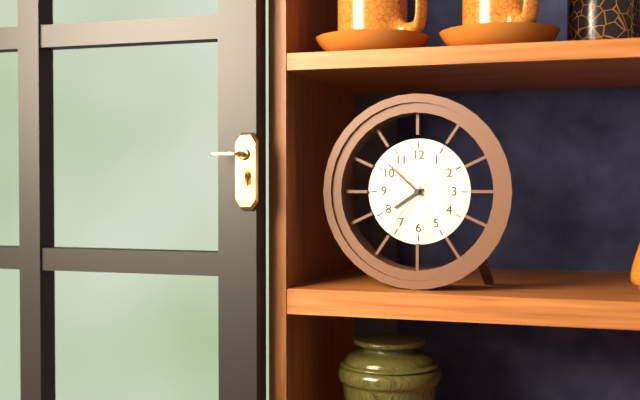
7,52,36
